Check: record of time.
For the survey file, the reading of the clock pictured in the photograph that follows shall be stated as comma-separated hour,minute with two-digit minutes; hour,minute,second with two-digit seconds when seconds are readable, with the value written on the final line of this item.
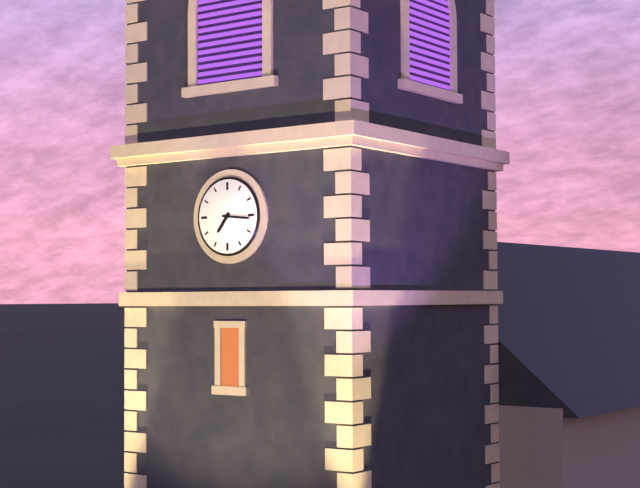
7,16
